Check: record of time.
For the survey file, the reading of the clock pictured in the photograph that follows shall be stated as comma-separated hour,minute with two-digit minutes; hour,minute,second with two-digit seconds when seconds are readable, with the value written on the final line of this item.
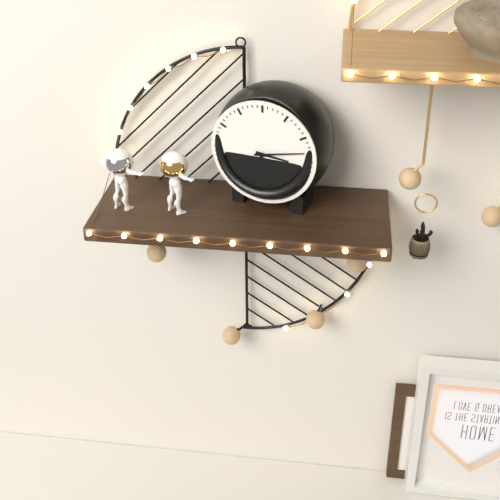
3,13
